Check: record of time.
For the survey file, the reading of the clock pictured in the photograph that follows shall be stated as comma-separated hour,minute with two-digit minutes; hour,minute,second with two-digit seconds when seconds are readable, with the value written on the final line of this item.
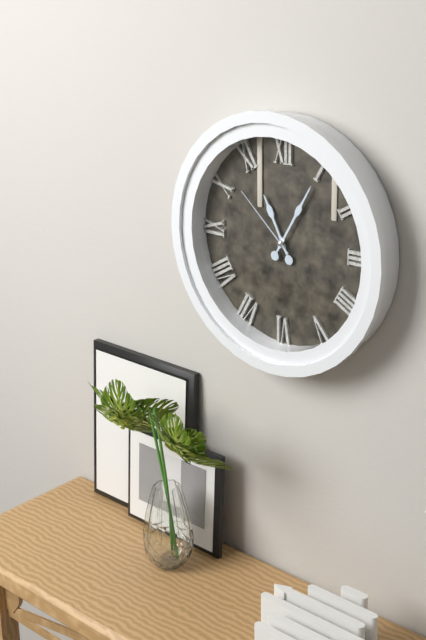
11,05,52
